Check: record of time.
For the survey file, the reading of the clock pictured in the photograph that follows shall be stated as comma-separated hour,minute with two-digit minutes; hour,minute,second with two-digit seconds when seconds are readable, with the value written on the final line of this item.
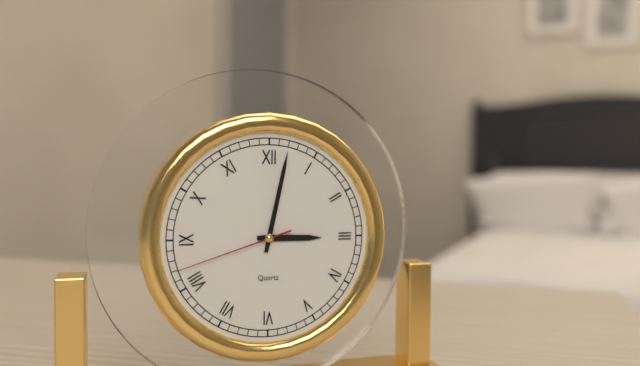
3,02,42
